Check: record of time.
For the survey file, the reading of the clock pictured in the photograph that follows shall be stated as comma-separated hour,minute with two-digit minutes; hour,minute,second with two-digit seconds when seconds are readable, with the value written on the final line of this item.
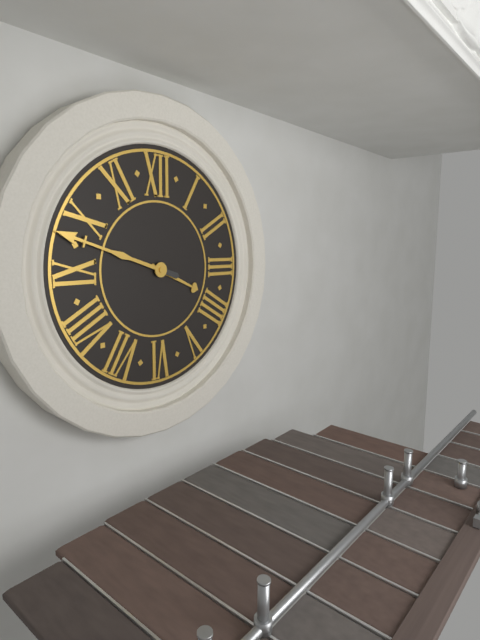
3,48
